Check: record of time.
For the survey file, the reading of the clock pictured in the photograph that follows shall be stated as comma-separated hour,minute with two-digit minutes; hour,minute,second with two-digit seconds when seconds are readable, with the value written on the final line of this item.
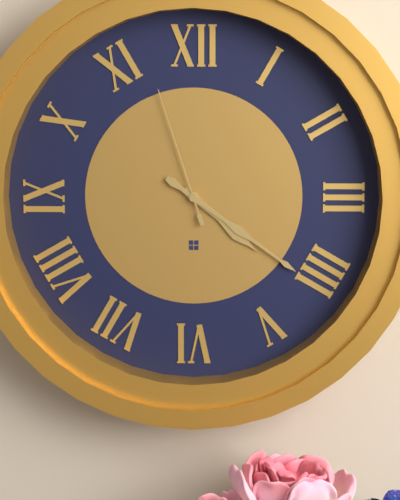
4,21,57
